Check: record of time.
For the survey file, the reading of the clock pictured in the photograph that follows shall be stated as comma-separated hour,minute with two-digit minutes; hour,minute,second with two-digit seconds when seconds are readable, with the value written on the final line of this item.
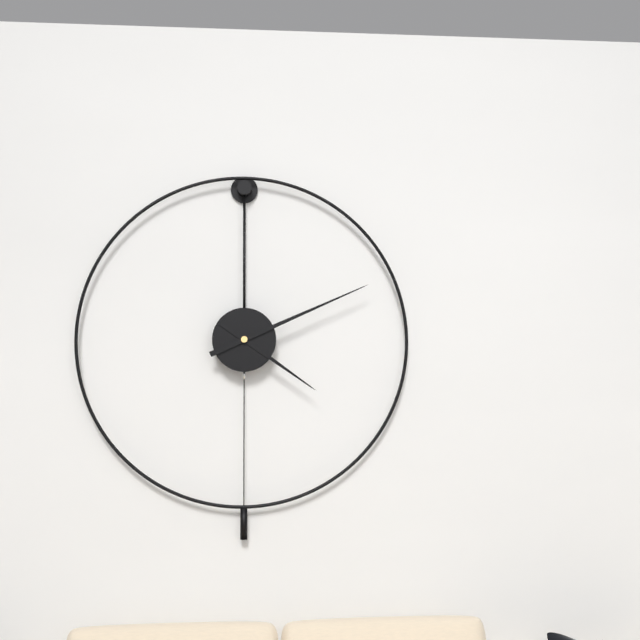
4,11
